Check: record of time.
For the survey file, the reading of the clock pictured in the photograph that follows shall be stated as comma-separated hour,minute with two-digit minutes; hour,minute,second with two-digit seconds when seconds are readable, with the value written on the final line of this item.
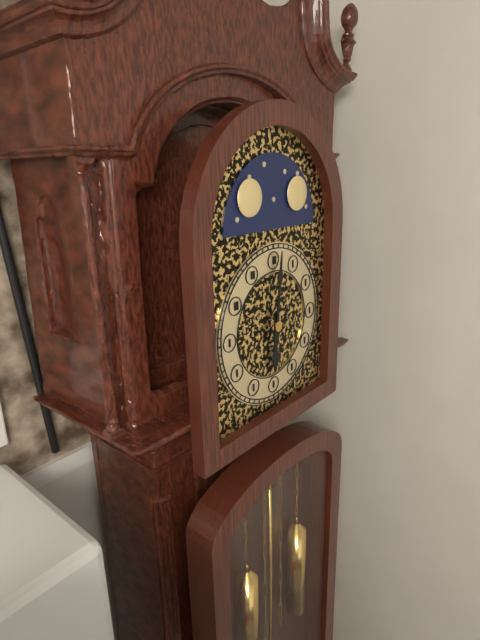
6,01
